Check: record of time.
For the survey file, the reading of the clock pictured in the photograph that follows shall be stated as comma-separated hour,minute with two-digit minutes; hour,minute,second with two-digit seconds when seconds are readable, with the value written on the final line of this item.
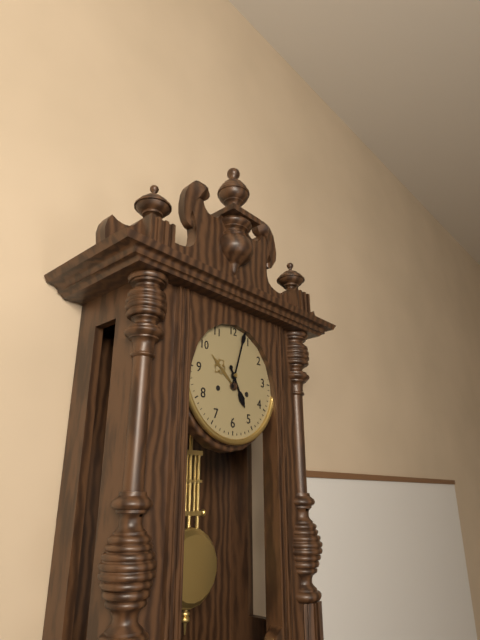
5,03
